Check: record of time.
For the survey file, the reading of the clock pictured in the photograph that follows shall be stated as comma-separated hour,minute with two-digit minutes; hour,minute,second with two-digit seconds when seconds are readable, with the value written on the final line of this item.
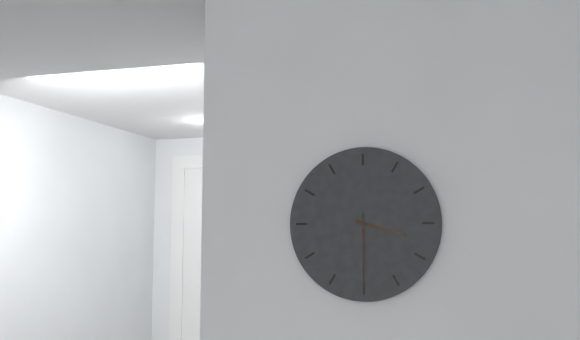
3,30
